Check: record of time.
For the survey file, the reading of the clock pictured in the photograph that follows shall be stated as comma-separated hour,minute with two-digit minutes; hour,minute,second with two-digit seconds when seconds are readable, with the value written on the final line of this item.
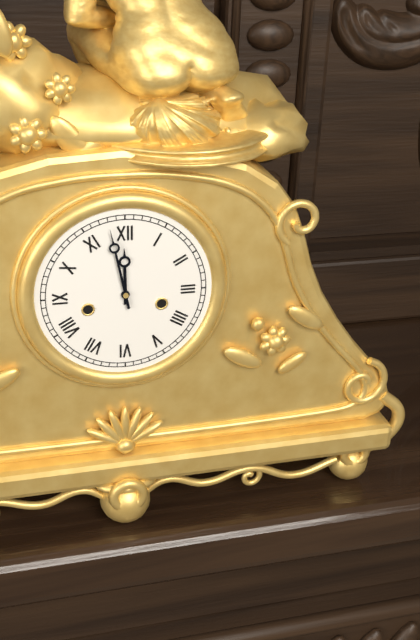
11,58
